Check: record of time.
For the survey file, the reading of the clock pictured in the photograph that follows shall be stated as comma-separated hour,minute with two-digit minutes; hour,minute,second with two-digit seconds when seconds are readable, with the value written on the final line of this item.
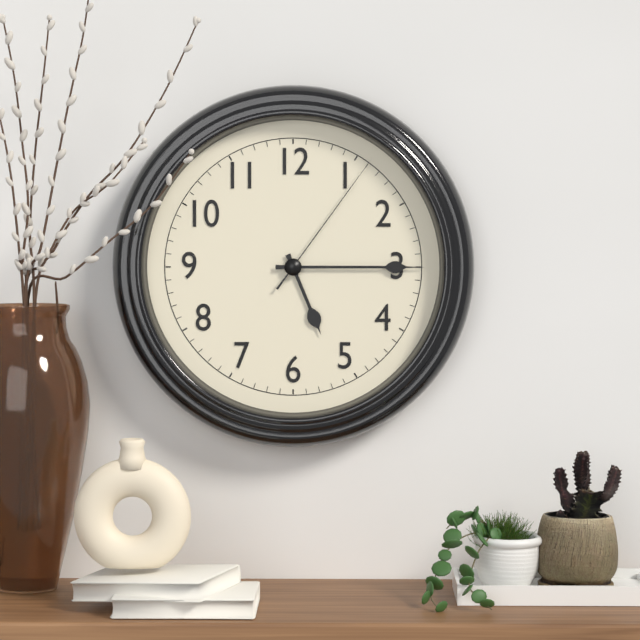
5,15,06
